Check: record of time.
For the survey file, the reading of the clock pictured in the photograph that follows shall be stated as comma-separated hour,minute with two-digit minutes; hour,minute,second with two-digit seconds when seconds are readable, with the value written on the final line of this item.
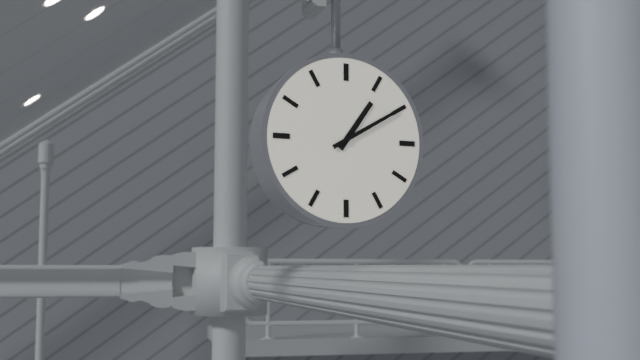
1,10
